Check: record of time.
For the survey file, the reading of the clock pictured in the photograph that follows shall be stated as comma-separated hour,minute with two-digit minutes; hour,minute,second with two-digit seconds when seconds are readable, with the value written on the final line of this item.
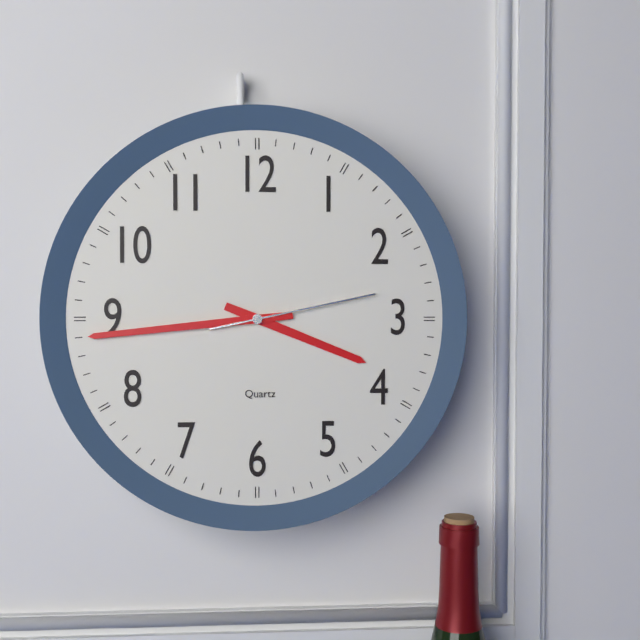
3,44,13
